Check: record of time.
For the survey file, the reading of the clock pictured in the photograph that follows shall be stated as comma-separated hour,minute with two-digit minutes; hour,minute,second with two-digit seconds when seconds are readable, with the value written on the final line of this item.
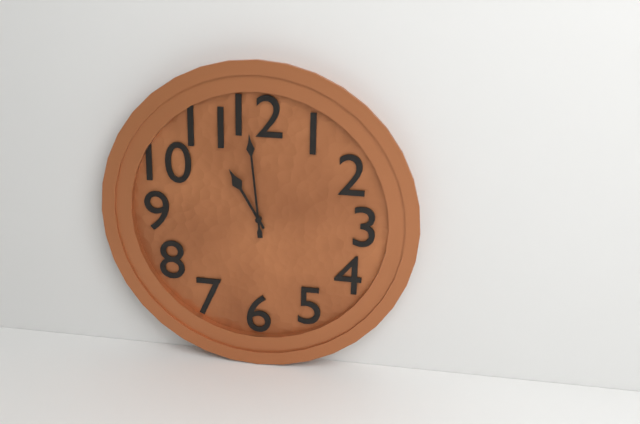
10,59
